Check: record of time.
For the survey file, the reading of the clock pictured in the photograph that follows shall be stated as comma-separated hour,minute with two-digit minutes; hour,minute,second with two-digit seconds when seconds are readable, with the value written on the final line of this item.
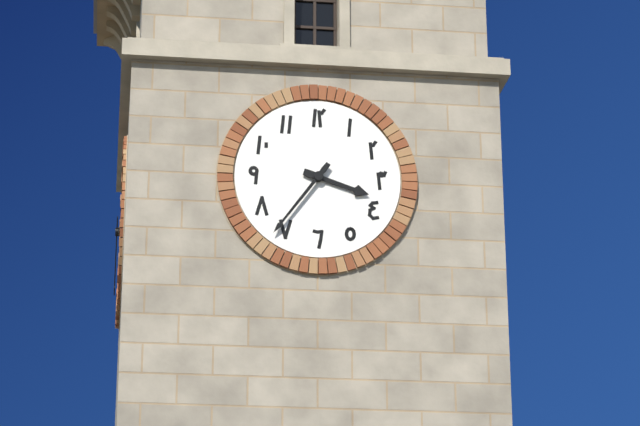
3,36
